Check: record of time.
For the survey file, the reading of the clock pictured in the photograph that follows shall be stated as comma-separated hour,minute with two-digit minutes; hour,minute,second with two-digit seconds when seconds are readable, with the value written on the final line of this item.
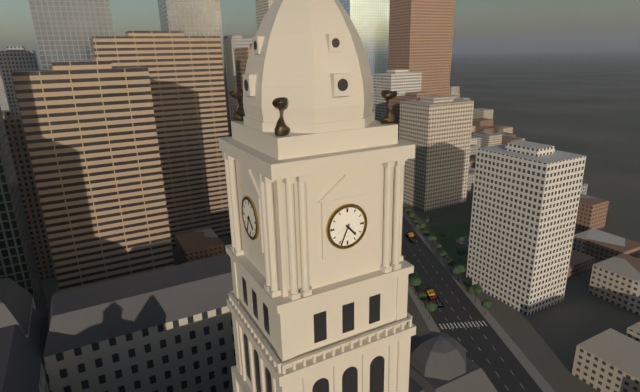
4,34
